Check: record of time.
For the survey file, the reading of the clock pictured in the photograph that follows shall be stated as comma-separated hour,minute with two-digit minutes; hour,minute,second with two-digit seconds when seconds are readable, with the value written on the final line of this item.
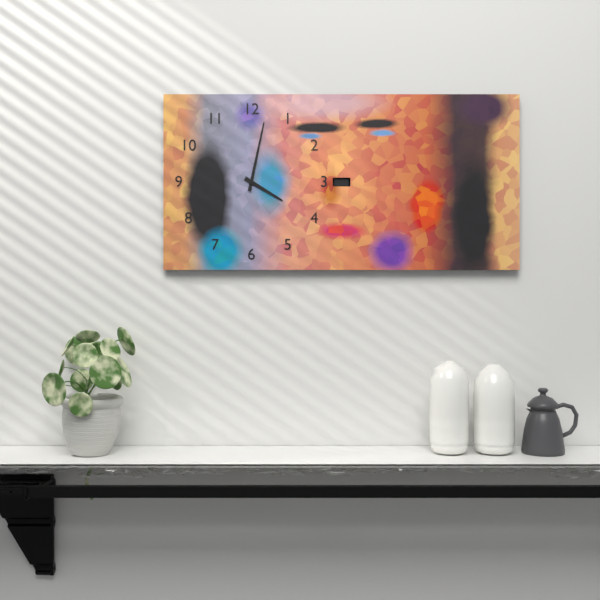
4,02
